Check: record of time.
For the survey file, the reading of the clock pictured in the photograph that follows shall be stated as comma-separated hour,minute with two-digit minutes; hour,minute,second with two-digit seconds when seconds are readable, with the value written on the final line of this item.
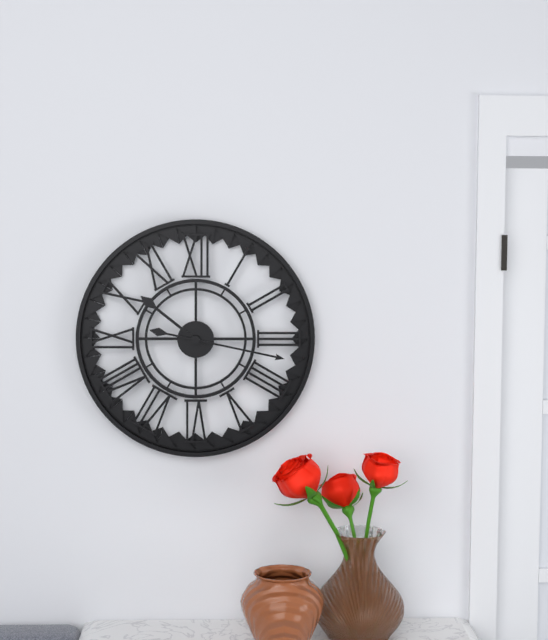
10,17
